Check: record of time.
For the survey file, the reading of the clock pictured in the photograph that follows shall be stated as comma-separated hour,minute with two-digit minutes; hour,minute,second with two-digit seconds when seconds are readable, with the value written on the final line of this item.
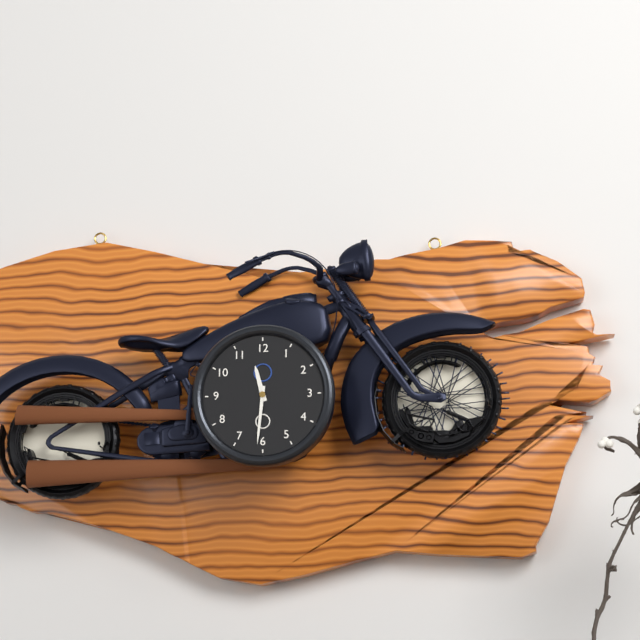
11,31
